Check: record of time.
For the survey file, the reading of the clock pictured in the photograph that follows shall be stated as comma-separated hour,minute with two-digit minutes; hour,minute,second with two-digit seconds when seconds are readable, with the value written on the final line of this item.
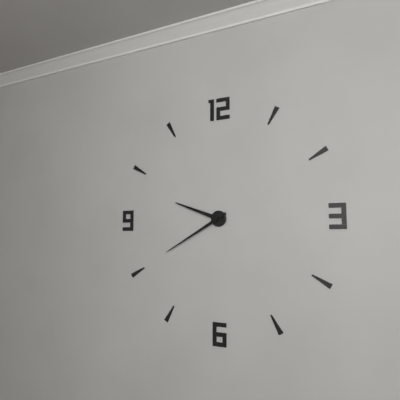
9,40
